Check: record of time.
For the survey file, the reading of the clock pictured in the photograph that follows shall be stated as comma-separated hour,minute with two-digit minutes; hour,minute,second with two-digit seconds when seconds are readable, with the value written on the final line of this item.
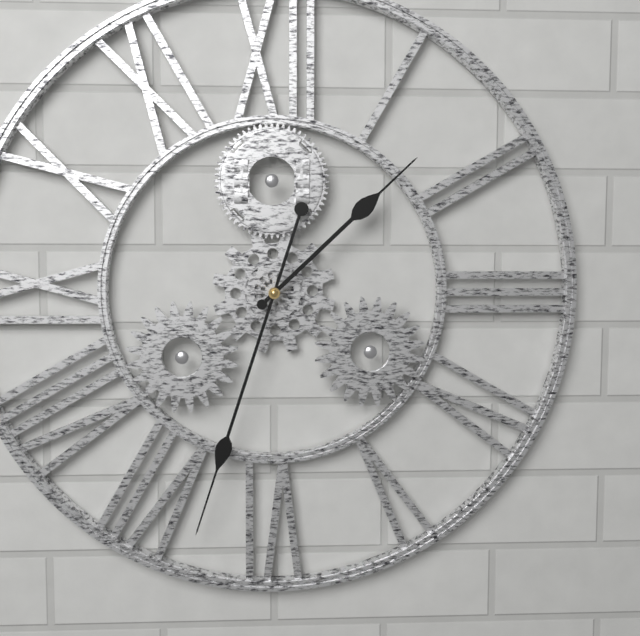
1,33
